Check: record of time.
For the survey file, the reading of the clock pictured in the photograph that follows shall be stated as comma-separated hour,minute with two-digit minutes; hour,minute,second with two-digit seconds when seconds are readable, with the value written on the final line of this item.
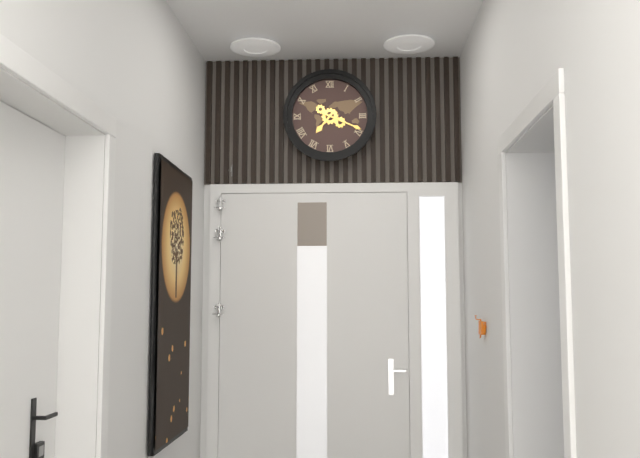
7,19
